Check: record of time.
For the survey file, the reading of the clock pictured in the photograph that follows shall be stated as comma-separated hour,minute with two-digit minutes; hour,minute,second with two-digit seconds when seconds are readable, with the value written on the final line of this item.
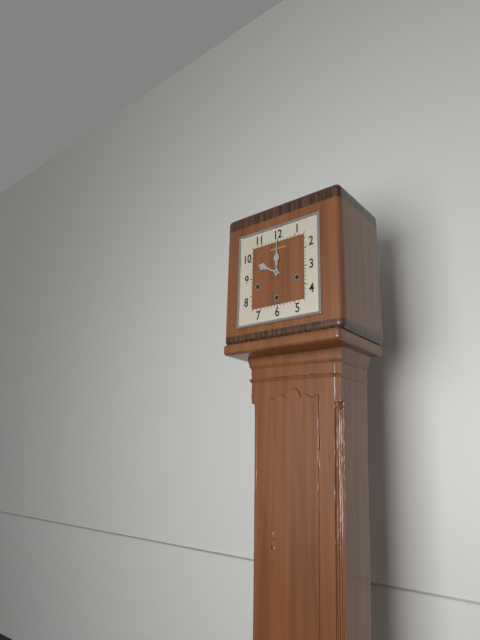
10,00
